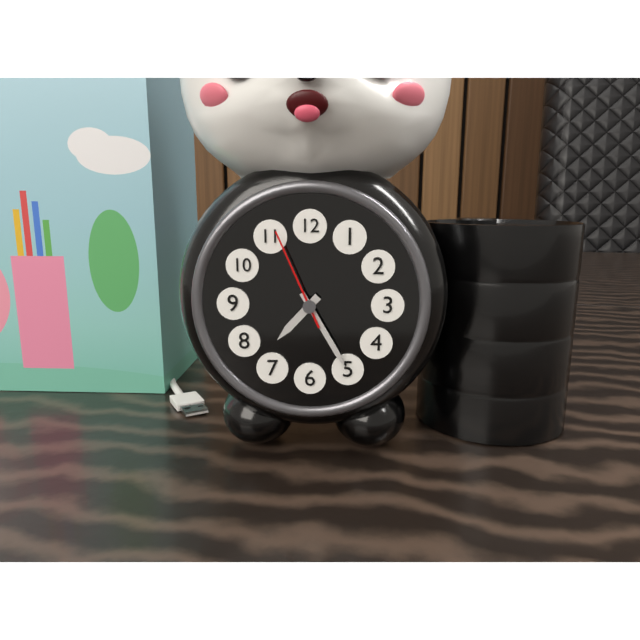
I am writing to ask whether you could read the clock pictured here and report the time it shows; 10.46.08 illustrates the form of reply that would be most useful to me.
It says 7.25.56
